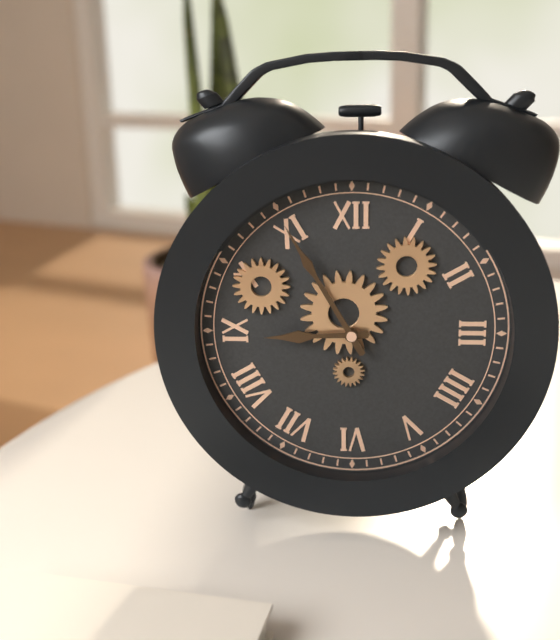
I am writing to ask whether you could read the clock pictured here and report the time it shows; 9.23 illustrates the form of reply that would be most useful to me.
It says 8.55
